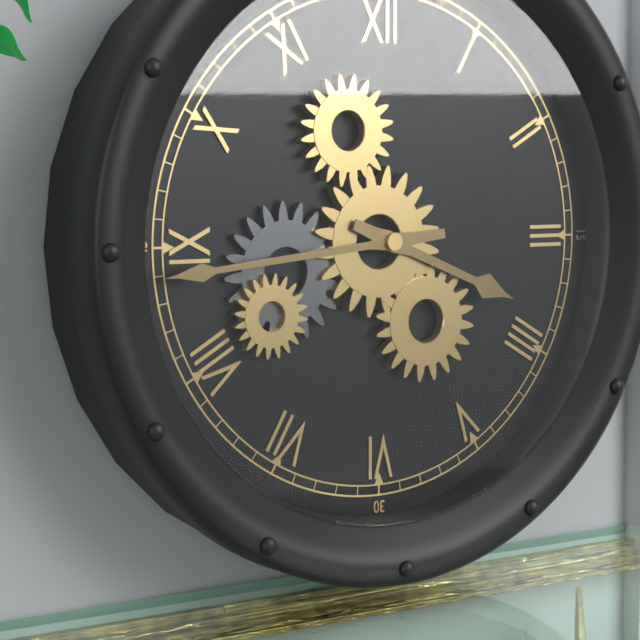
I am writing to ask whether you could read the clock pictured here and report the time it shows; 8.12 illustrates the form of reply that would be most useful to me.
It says 3.44
